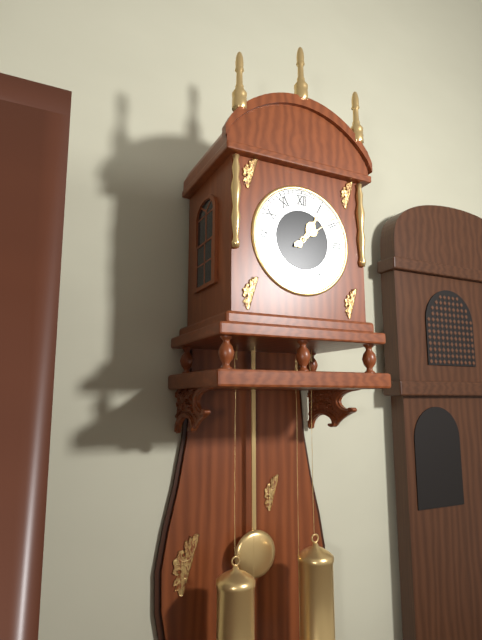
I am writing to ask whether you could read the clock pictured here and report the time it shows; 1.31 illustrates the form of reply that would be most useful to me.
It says 1.09
